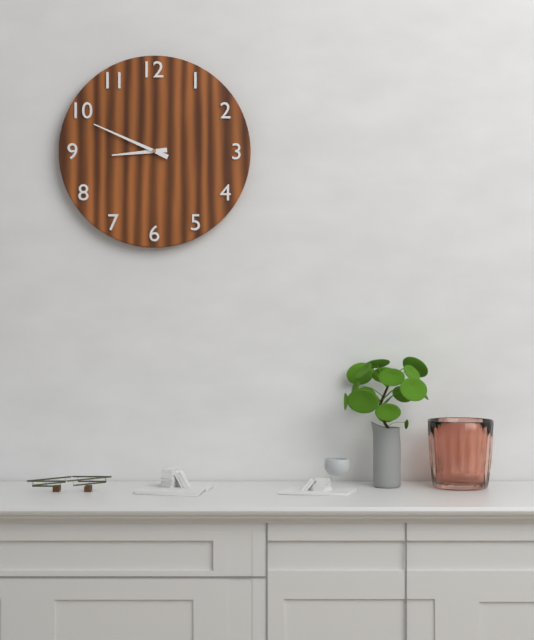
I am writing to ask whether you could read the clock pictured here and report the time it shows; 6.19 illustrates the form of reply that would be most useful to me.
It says 8.49
